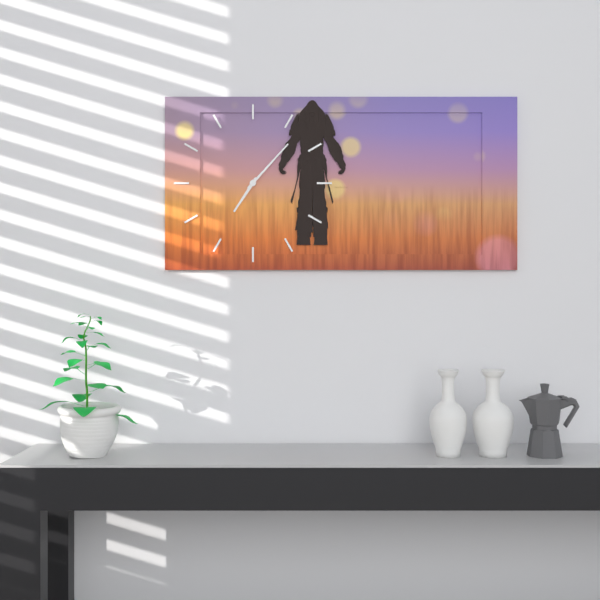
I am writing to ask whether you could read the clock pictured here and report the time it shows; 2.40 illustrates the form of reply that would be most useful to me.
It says 7.07
